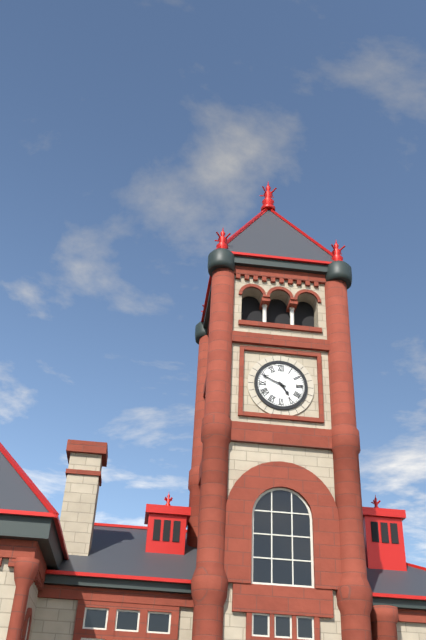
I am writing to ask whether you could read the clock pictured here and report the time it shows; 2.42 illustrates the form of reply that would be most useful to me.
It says 4.49
